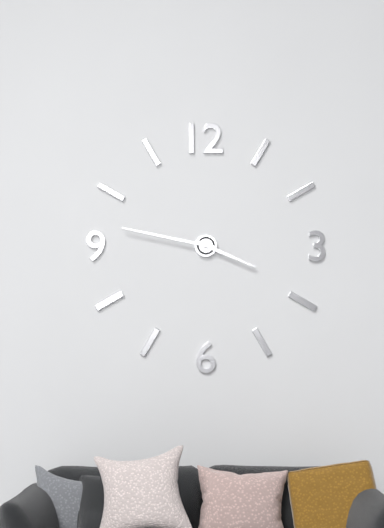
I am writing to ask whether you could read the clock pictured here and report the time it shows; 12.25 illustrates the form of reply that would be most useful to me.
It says 3.47
